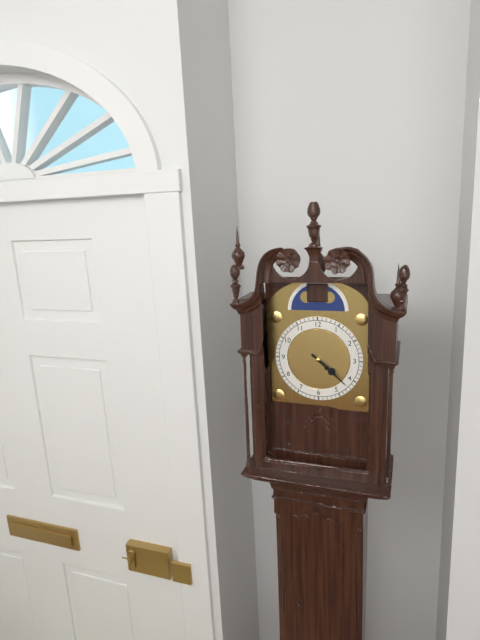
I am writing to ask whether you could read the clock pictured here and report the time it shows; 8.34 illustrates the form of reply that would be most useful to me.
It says 4.22
